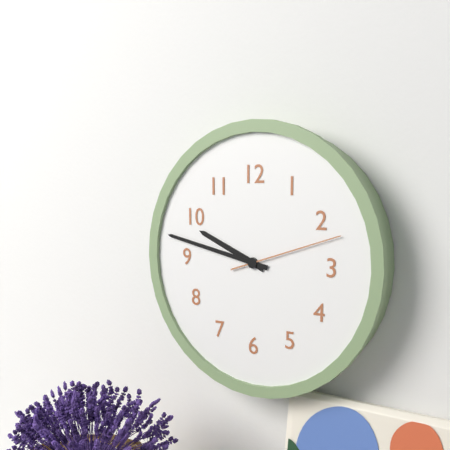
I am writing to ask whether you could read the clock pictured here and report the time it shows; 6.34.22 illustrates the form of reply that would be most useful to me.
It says 9.47.12
